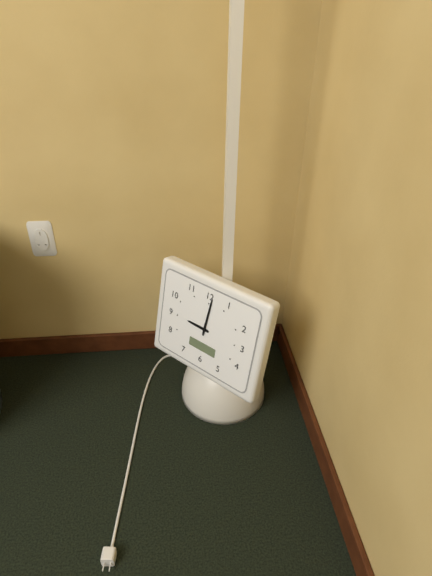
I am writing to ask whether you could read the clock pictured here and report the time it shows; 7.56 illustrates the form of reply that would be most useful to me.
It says 9.01
